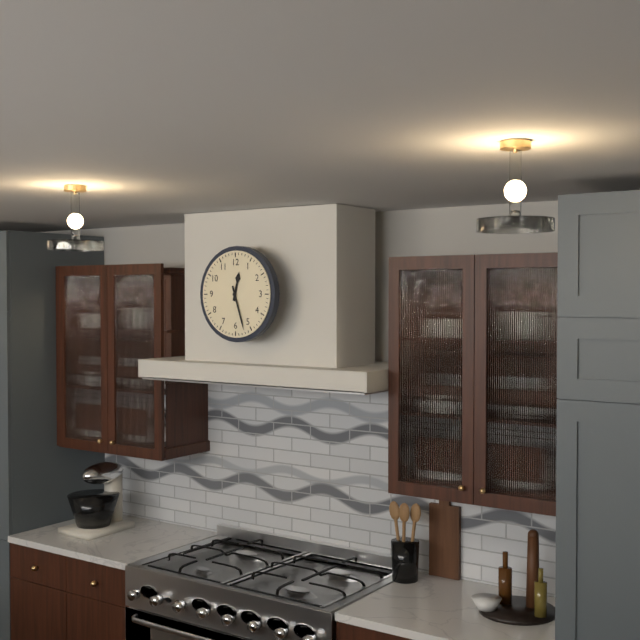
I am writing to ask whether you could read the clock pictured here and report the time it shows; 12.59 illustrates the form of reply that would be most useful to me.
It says 12.27
